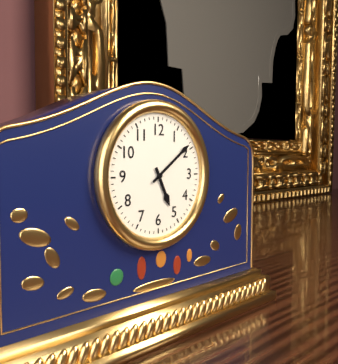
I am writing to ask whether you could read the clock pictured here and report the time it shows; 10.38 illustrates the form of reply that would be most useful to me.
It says 5.09
